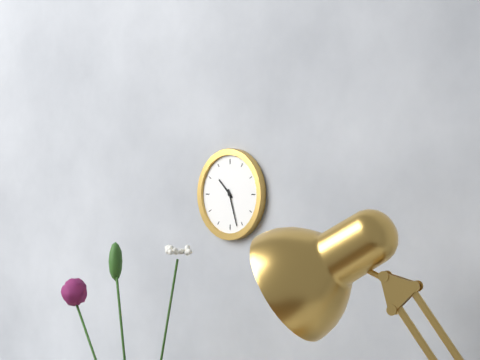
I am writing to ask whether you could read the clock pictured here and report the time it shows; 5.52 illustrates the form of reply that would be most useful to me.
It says 10.27
